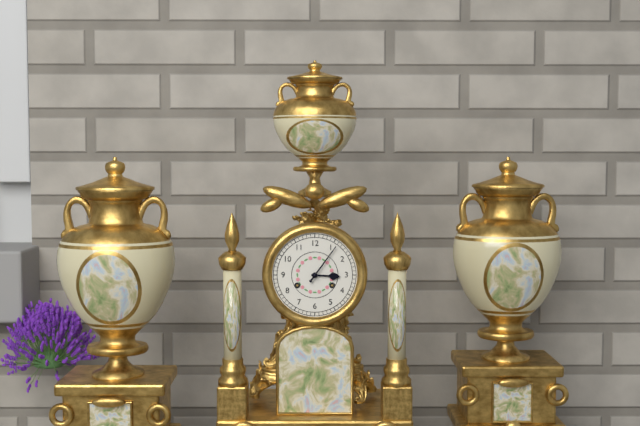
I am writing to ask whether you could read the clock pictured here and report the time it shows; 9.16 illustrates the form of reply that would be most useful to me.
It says 3.06
